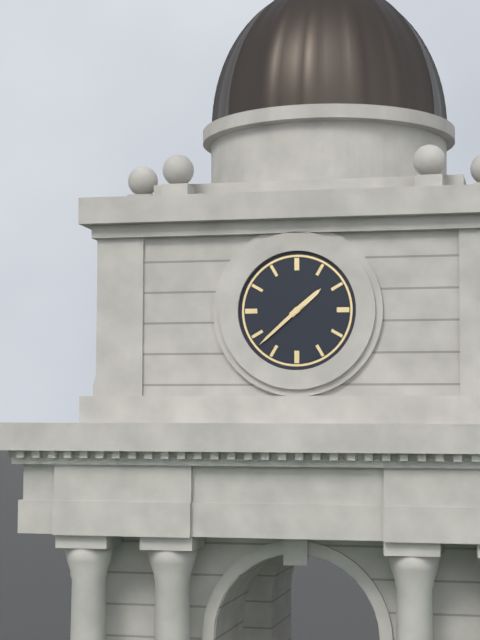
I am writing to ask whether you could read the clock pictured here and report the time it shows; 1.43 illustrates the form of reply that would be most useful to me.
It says 1.38
